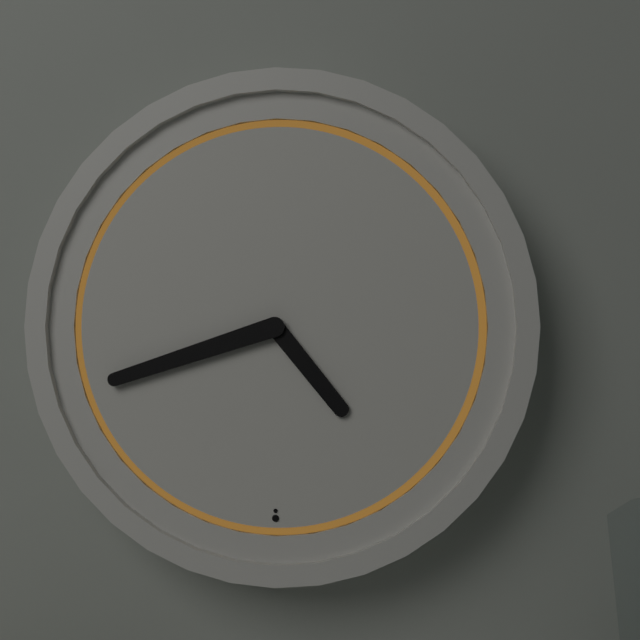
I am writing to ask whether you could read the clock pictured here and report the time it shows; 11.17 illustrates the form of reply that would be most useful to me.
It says 4.42
